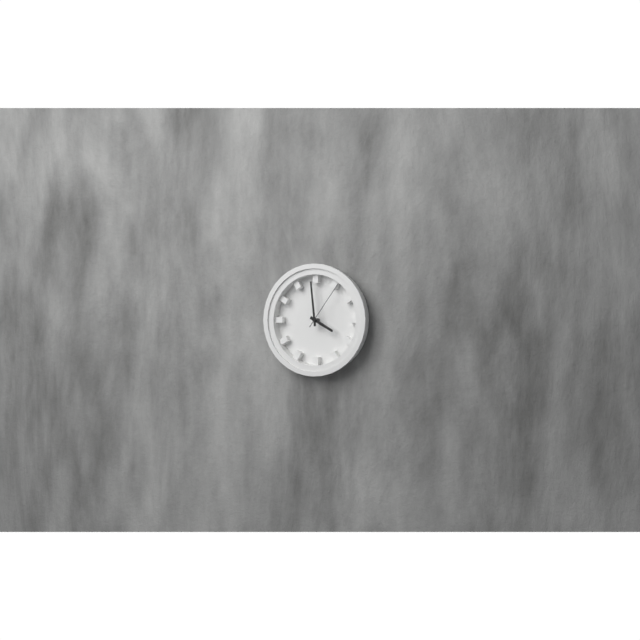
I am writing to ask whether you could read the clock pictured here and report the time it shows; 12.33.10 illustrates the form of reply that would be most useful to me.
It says 3.59.06
